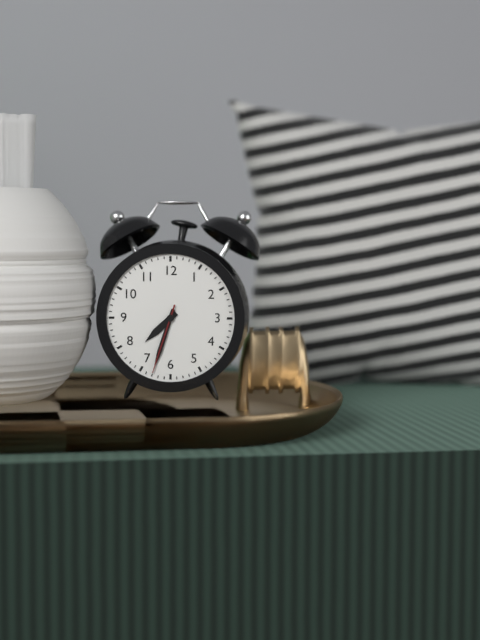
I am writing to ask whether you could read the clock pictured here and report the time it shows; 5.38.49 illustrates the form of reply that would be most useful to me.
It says 7.33.33
